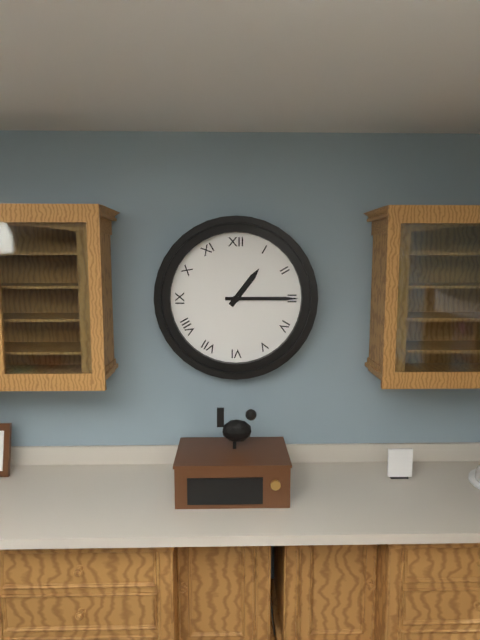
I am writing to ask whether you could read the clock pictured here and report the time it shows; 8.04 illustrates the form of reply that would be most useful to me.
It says 1.15
